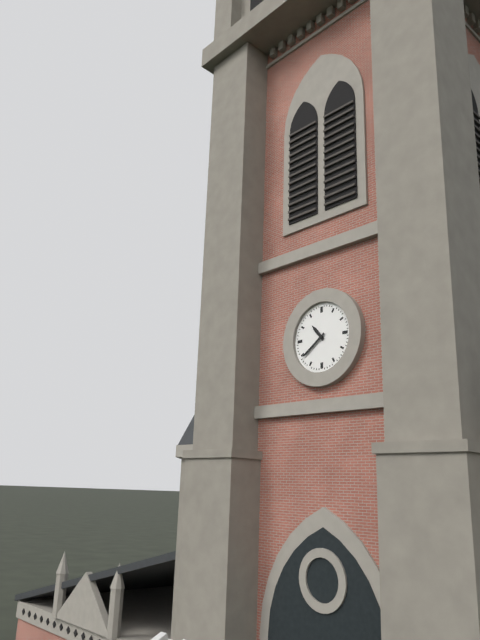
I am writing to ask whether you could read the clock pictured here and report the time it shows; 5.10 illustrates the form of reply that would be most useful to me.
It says 10.39
